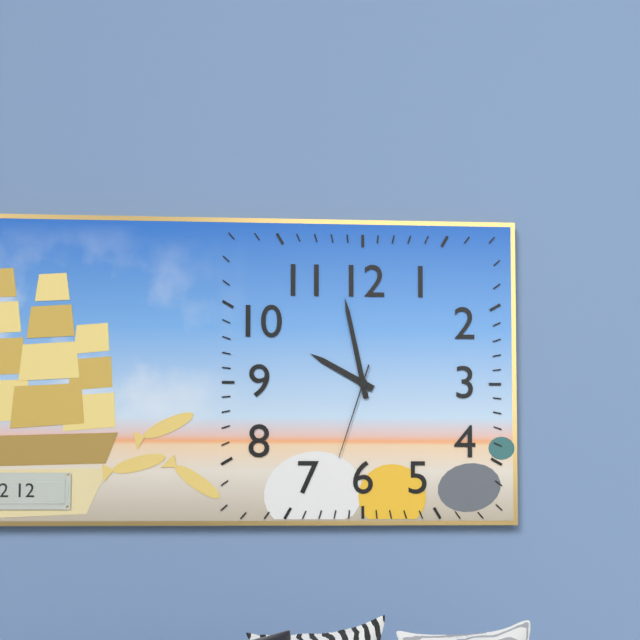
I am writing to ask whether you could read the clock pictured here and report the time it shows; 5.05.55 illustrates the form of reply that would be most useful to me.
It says 9.58.33
